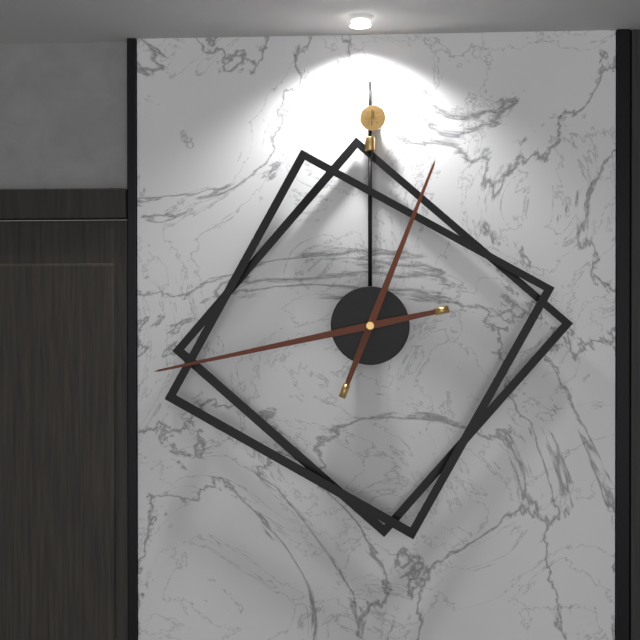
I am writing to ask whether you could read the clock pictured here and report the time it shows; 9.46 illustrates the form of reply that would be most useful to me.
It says 12.43
